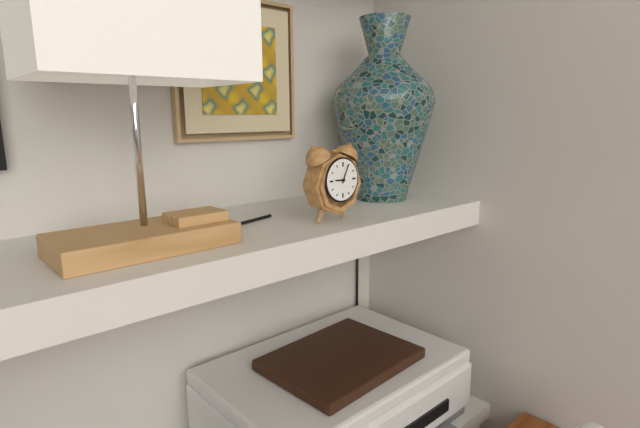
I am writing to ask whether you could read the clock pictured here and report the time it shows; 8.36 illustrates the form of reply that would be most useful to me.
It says 9.04
